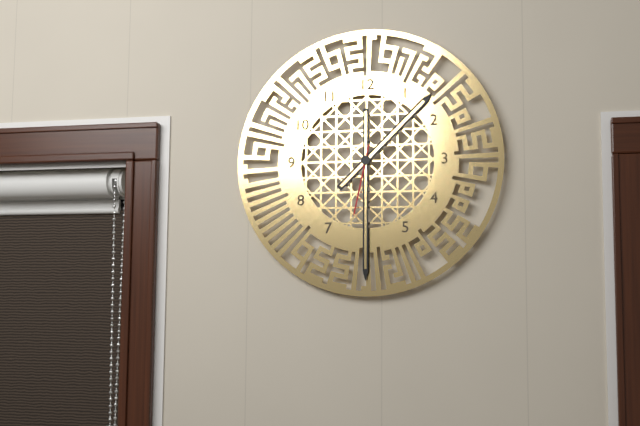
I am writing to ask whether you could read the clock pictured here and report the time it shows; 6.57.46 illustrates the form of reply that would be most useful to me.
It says 1.30.32
